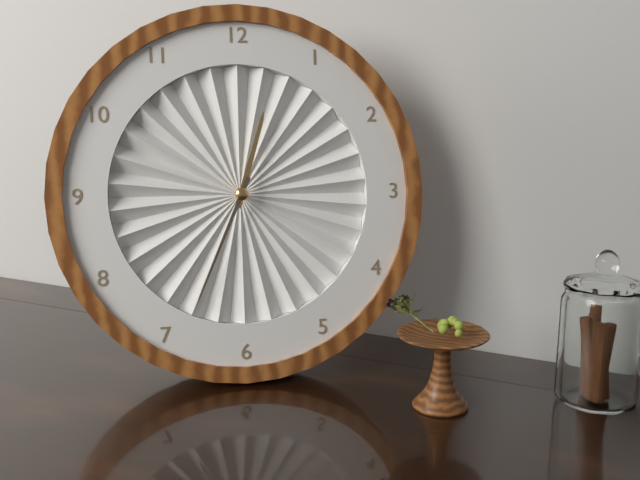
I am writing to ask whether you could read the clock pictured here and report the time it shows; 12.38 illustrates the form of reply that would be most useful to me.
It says 12.34
